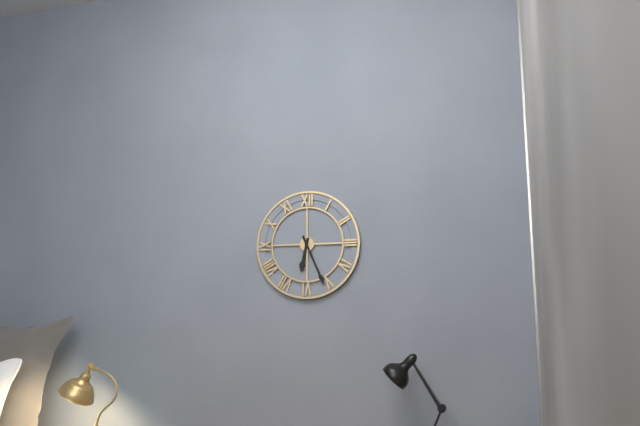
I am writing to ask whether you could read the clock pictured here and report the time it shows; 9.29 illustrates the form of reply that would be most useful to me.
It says 6.26
